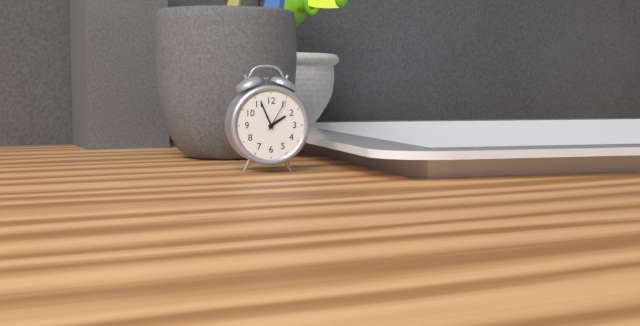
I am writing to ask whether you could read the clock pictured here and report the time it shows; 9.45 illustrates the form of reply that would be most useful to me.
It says 1.56
